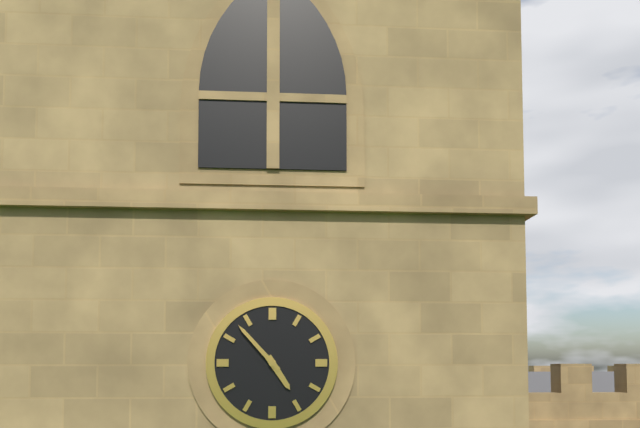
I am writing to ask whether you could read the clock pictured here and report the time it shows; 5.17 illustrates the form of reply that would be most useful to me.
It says 4.53
